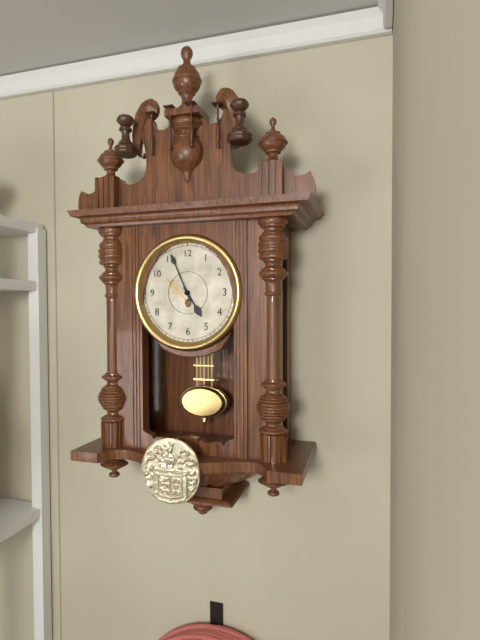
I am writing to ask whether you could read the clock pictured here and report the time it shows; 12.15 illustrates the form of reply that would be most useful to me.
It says 4.56
